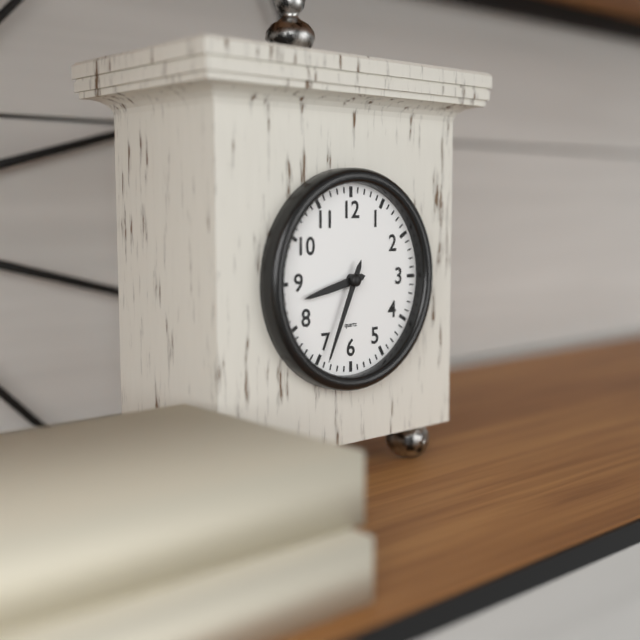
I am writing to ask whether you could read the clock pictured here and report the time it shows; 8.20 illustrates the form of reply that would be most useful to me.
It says 8.34
